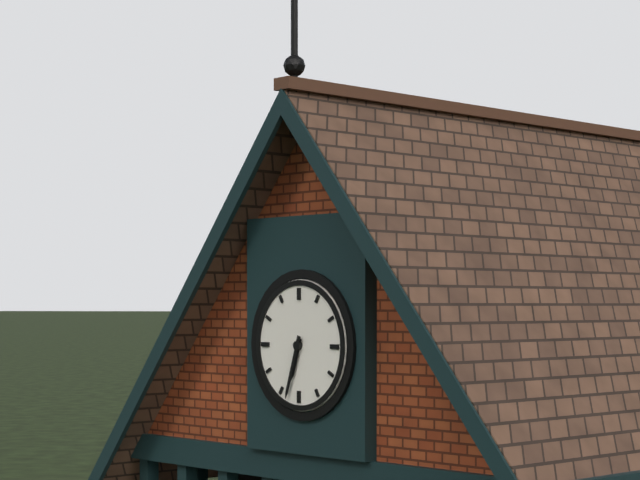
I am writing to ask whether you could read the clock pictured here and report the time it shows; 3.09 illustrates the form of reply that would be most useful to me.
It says 6.33
